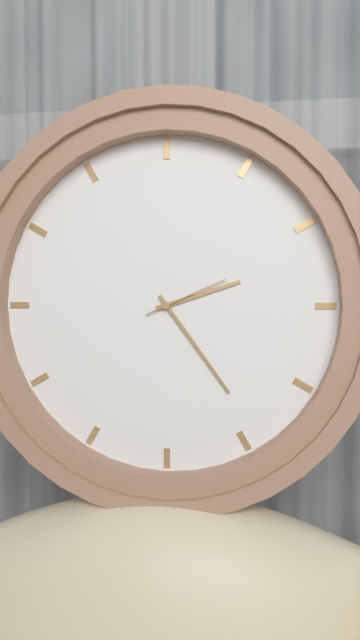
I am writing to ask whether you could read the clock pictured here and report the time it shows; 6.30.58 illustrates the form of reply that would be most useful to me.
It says 2.24.11
